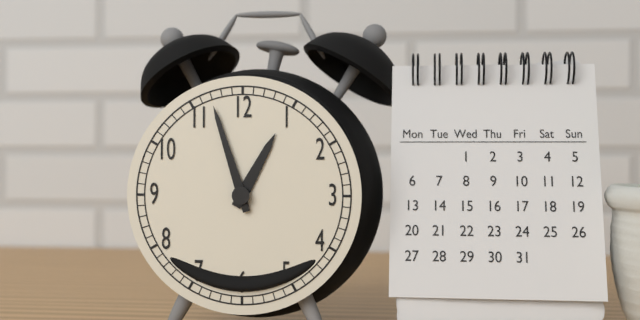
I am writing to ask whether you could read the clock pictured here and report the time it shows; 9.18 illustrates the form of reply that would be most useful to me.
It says 12.57
